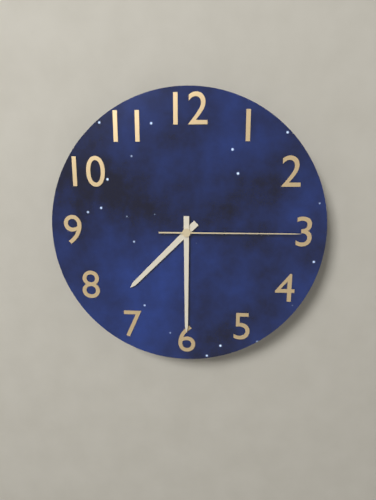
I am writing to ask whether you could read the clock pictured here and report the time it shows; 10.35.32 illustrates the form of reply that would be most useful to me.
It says 7.30.15
